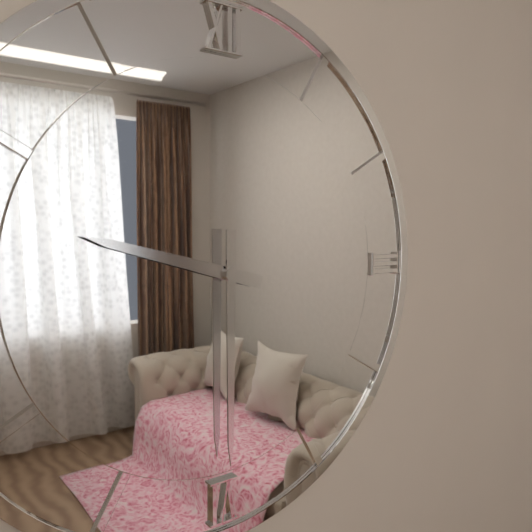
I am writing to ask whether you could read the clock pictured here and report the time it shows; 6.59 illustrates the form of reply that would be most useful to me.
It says 9.30
